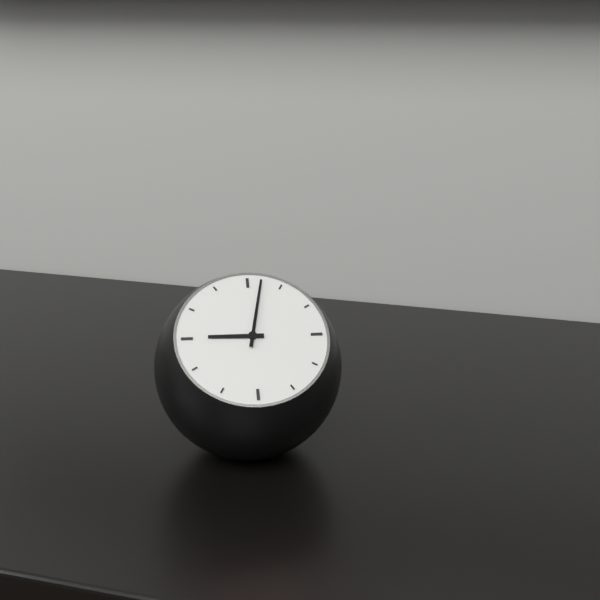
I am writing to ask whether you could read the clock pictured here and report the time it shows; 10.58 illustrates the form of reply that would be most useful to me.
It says 9.02
